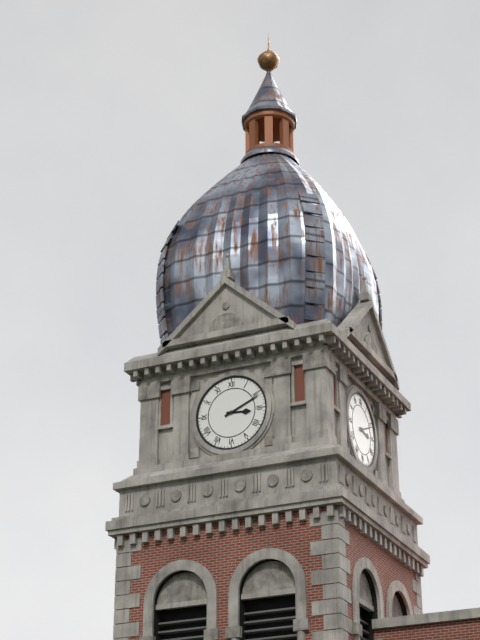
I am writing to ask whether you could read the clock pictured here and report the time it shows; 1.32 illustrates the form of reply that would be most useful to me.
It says 3.11
